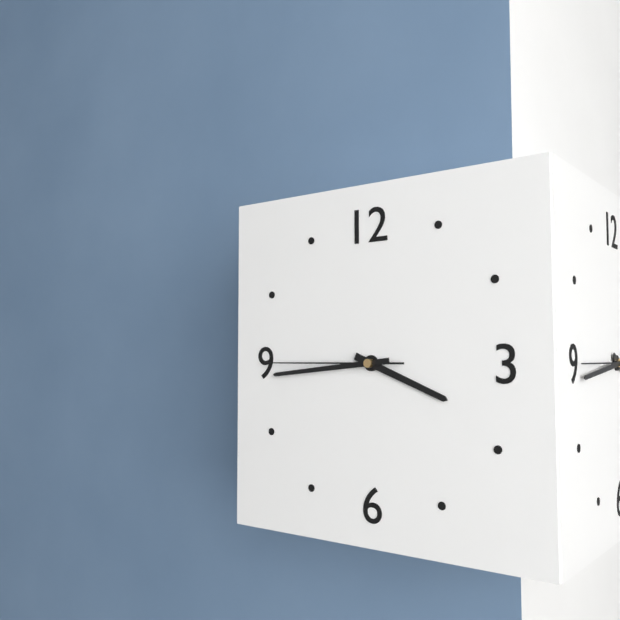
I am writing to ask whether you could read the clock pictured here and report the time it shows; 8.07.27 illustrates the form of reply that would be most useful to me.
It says 3.44.45
